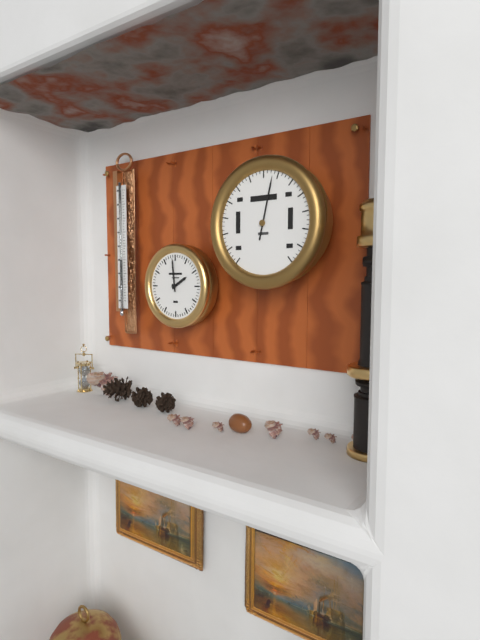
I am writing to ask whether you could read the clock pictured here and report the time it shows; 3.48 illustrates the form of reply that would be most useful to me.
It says 1.59
